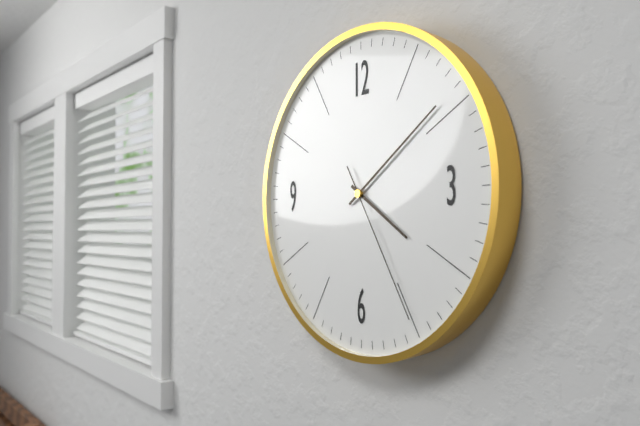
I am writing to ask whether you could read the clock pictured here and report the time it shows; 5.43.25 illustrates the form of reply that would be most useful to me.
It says 4.09.25
